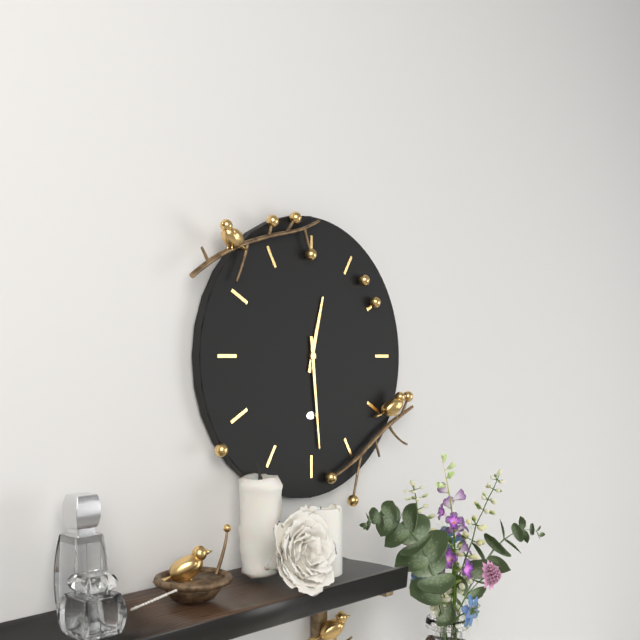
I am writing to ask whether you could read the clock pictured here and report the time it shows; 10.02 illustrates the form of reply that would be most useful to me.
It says 12.29
